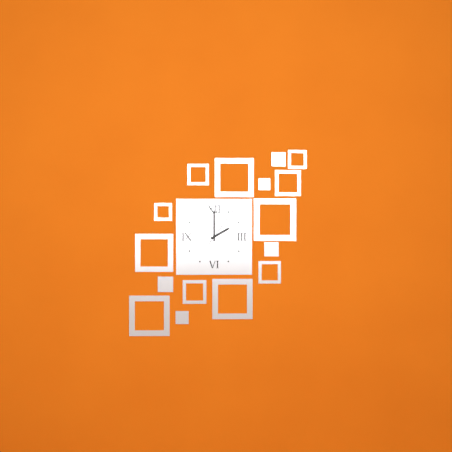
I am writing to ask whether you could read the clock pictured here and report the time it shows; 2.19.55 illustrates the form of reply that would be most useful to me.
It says 2.00.06
